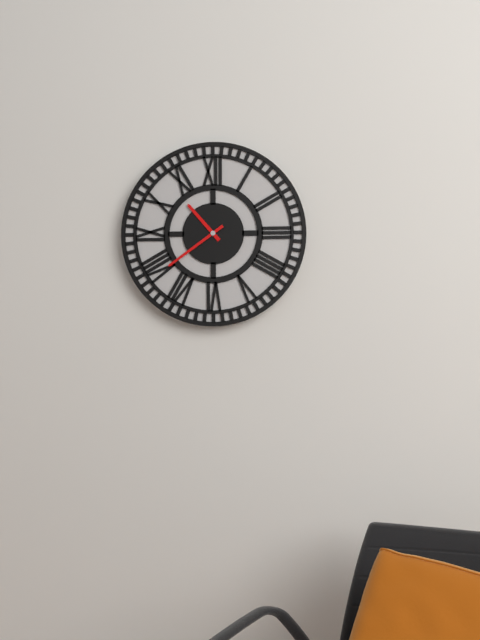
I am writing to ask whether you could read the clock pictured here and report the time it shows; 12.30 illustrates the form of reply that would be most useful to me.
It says 10.39
